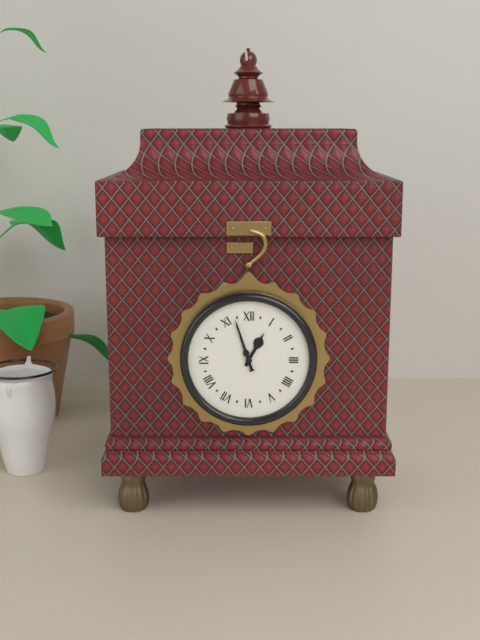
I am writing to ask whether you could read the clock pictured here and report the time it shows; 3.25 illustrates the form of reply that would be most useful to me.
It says 12.57
